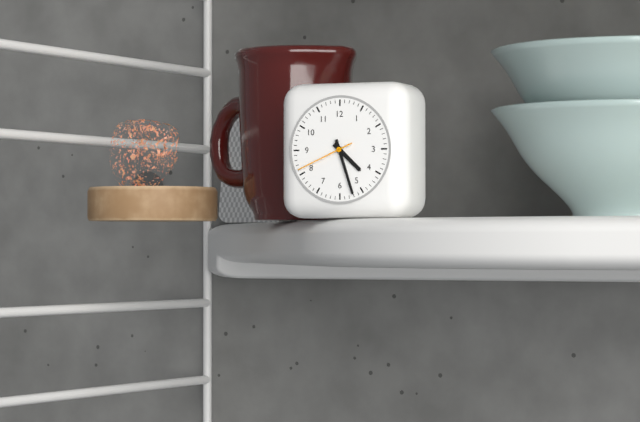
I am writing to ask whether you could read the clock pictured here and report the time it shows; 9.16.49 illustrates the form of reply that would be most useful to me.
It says 4.27.41
